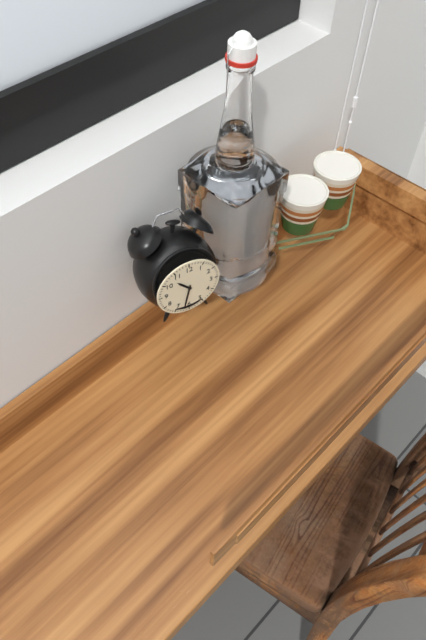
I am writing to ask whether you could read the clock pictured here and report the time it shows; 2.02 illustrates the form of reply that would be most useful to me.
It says 10.32
